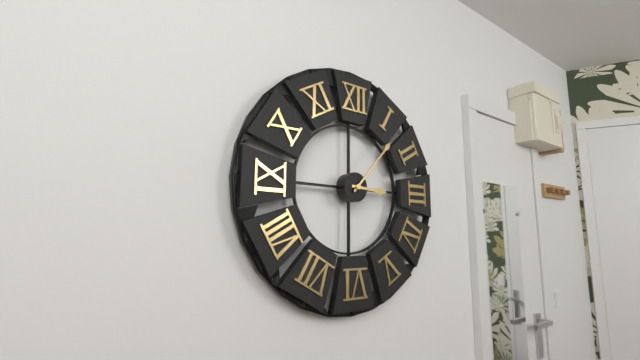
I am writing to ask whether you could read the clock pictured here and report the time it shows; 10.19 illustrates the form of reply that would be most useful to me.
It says 3.07
